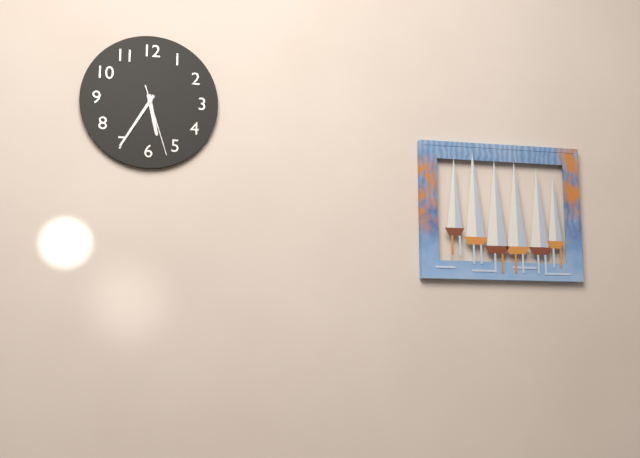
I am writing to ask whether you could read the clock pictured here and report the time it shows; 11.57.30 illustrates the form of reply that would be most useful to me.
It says 5.35.27
